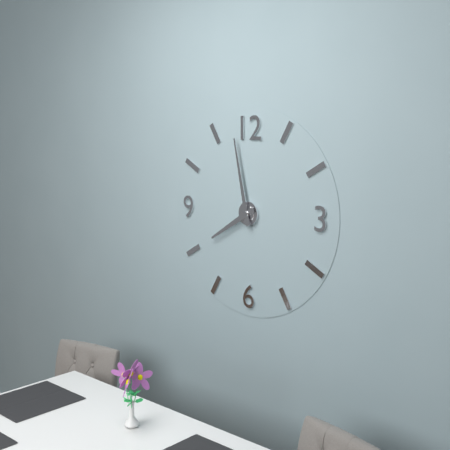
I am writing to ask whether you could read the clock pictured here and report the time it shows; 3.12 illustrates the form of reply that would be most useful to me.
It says 7.58
